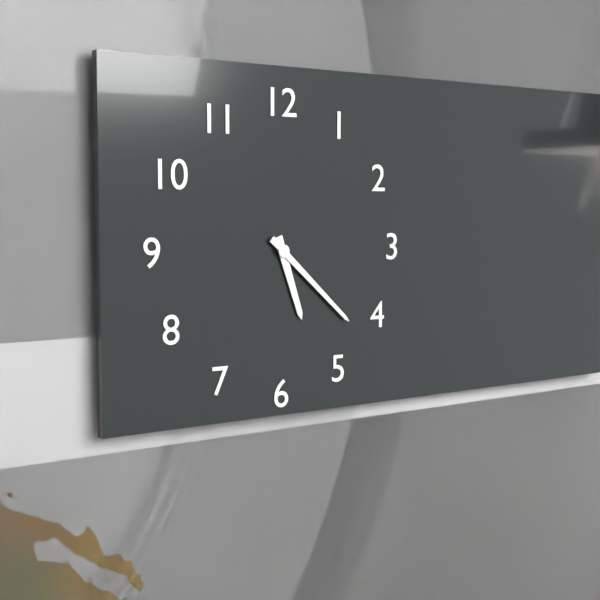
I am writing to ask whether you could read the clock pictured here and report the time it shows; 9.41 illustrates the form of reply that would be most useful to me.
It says 5.22
